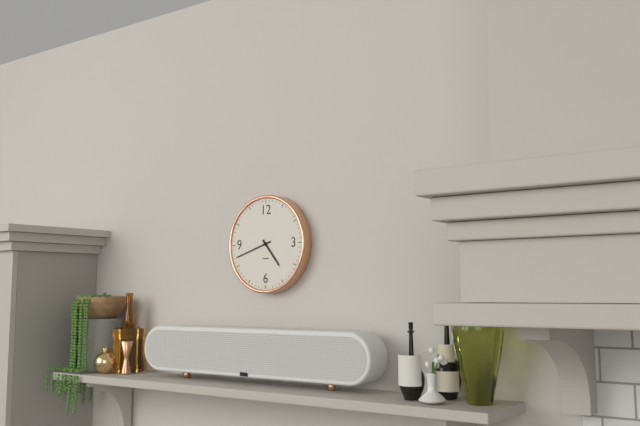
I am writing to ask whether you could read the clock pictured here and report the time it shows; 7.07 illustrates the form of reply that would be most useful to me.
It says 4.42
